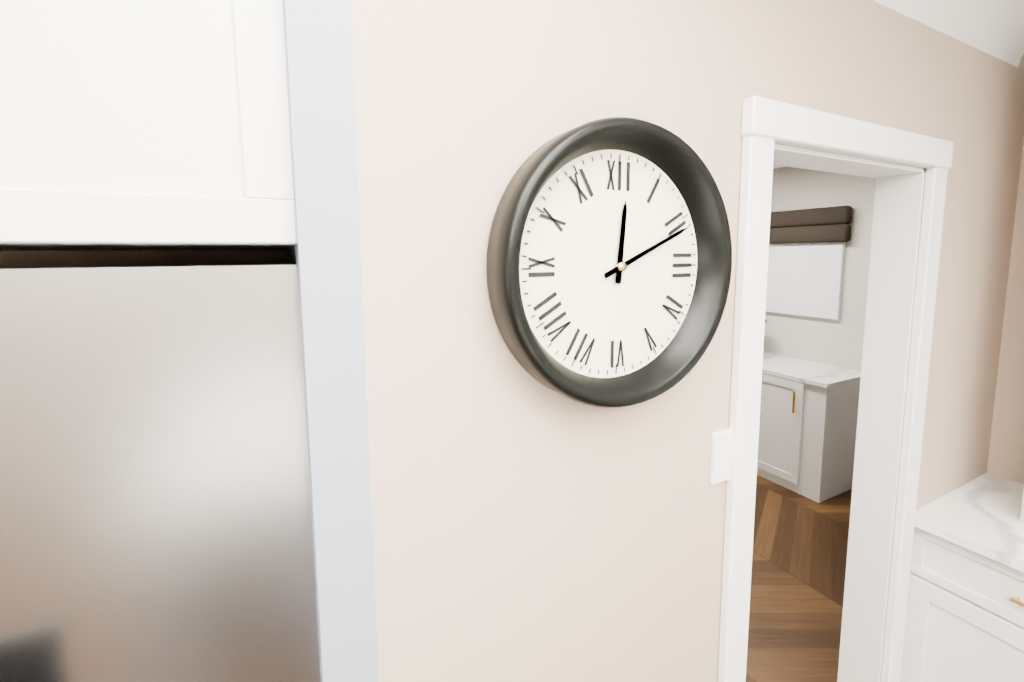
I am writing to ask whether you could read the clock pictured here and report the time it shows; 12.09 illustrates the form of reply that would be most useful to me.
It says 12.11
